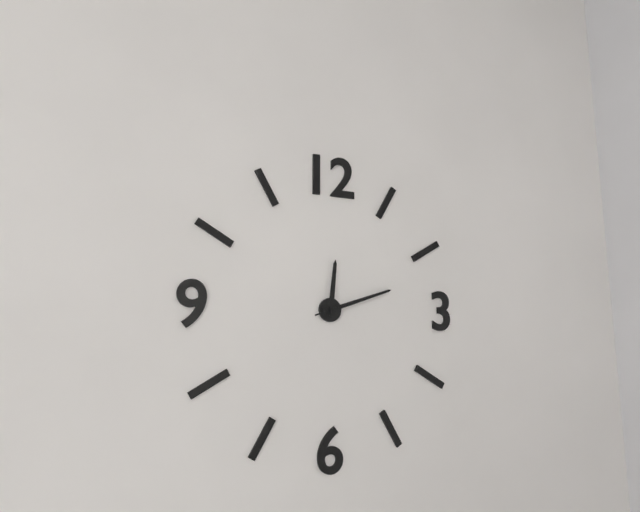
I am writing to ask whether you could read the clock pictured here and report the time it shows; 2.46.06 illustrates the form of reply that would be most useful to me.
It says 12.12.12
